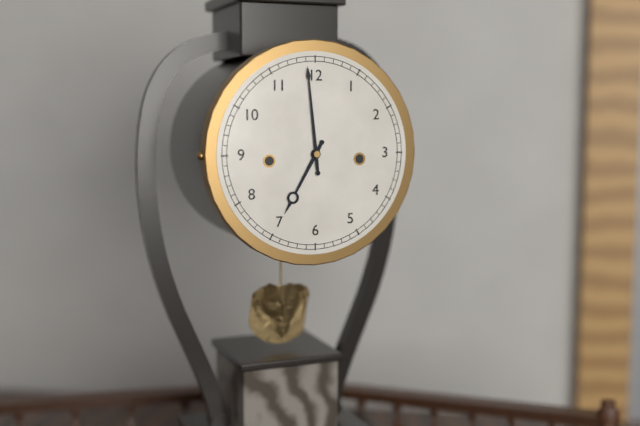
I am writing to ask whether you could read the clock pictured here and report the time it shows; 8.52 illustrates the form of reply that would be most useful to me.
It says 6.59
